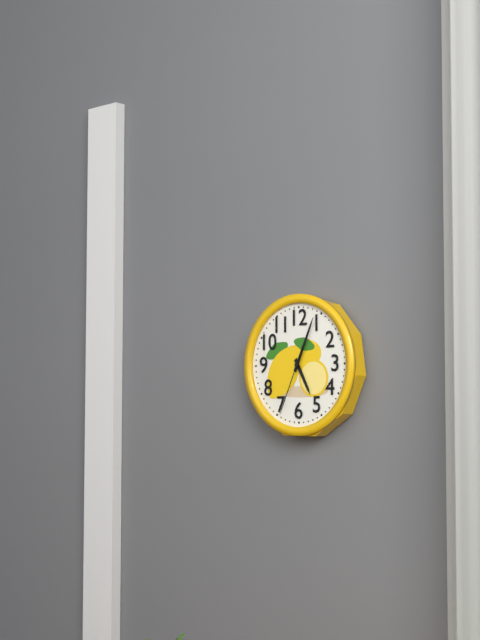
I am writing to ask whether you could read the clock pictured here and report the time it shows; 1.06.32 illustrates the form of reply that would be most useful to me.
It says 5.04.34
